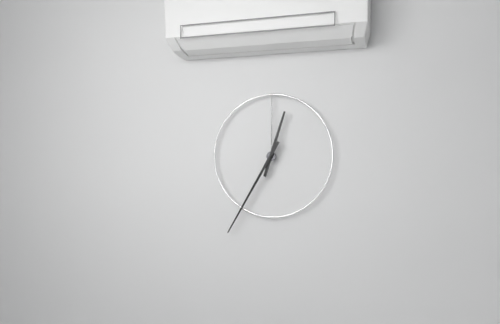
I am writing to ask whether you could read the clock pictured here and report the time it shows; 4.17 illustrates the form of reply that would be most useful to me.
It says 12.35
